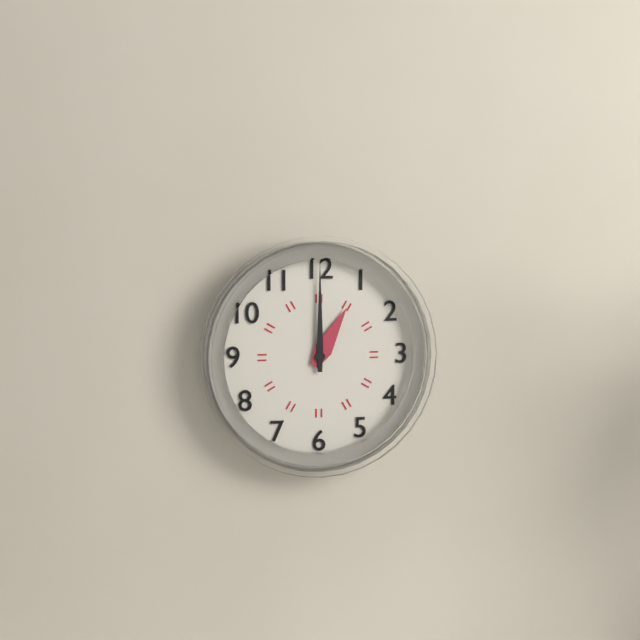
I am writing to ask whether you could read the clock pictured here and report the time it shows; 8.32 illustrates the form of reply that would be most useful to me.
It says 1.00
